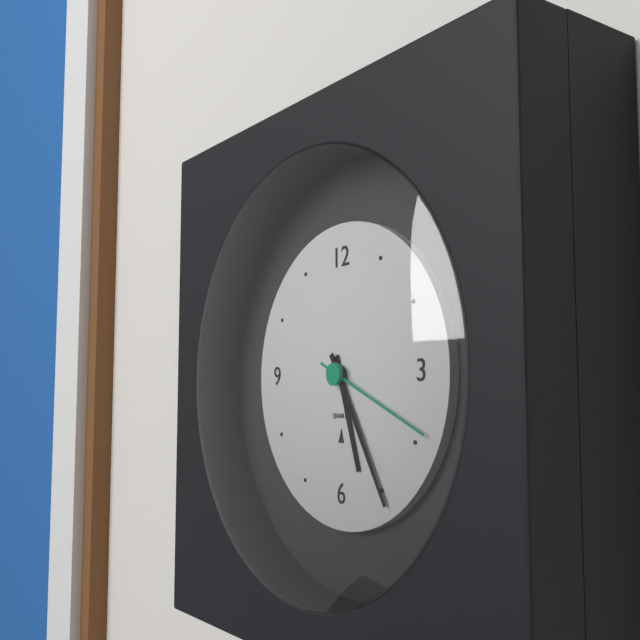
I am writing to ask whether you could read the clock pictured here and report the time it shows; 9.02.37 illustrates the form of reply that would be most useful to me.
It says 5.25.19
